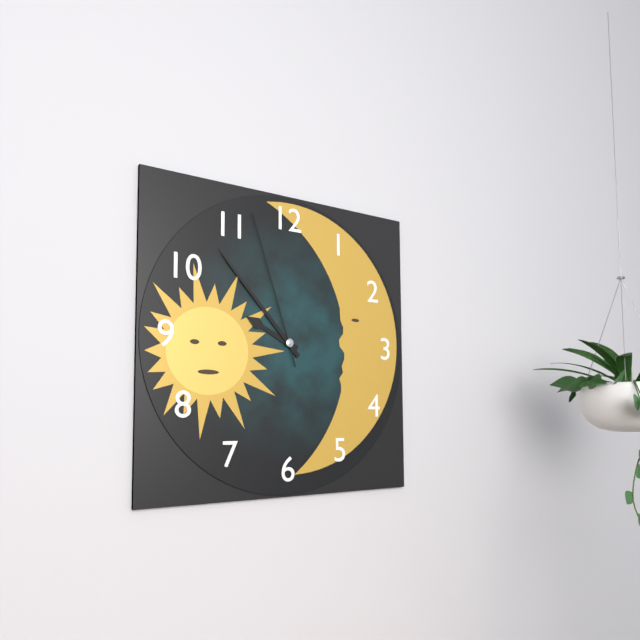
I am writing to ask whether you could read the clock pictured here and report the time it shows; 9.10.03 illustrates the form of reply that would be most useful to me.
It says 9.53.57
